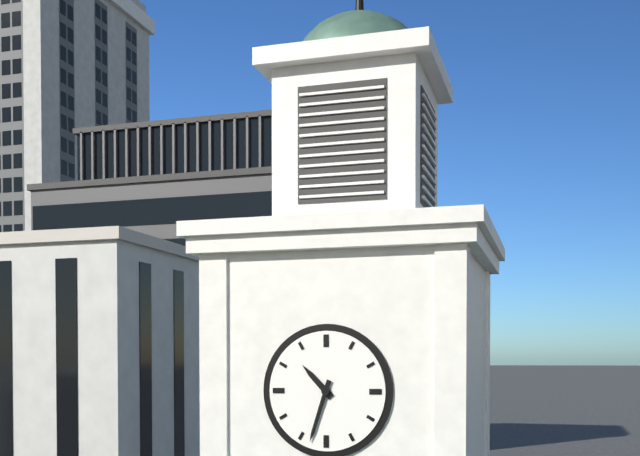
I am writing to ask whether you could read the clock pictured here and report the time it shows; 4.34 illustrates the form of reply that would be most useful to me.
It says 10.33
